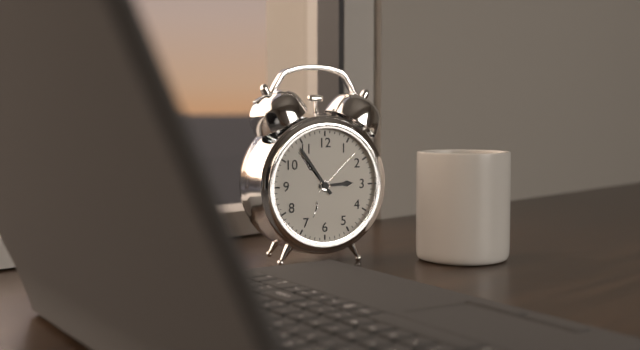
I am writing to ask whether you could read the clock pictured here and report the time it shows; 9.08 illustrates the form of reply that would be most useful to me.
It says 2.54
